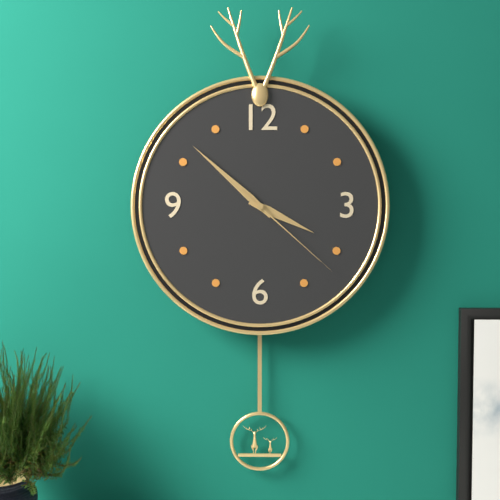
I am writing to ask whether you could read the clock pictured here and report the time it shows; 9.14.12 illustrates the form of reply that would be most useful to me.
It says 3.52.22
